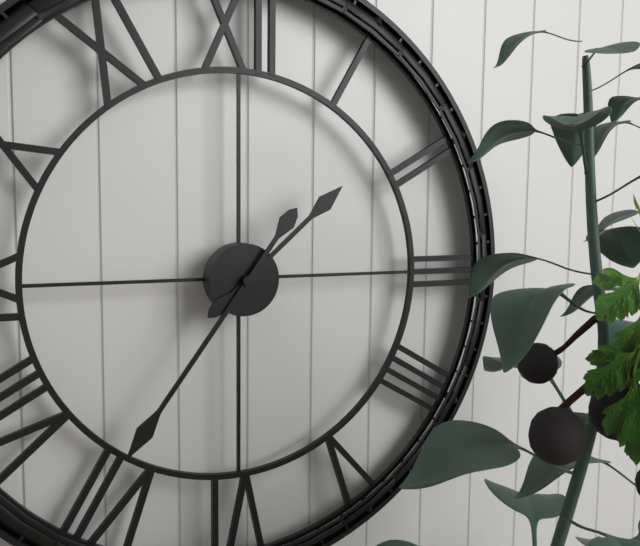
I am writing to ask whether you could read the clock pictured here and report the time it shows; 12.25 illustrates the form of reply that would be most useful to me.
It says 1.36
